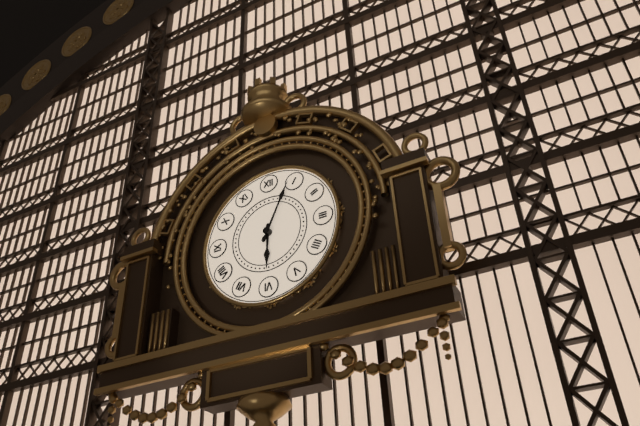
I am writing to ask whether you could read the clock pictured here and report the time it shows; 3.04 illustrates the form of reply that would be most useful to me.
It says 6.04
